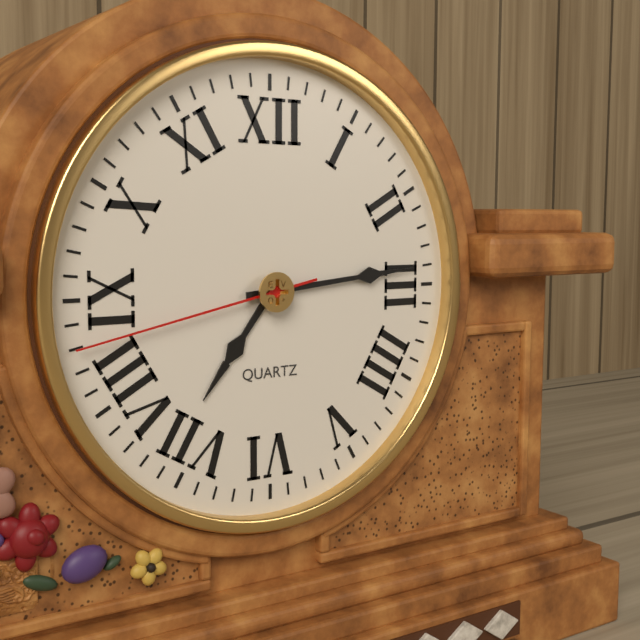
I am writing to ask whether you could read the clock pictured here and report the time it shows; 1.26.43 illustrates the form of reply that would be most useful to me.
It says 7.14.43
